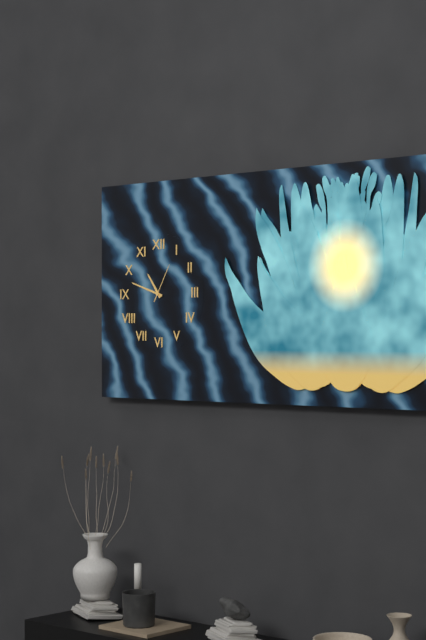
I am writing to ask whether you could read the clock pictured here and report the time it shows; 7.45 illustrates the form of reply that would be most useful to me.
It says 10.48
